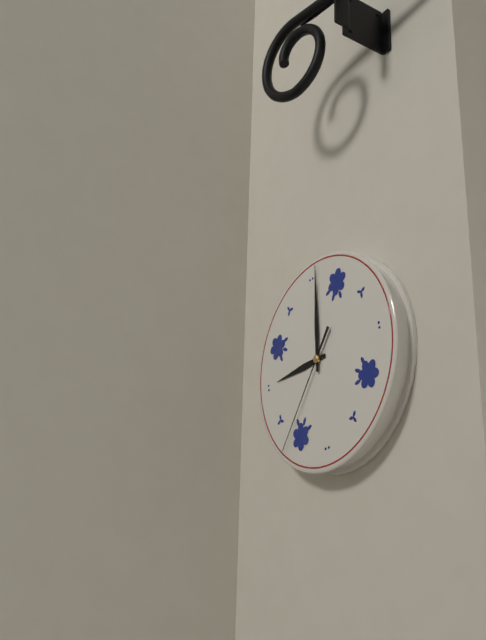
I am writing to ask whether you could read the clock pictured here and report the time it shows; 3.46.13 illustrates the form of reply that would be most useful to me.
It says 9.01.37
